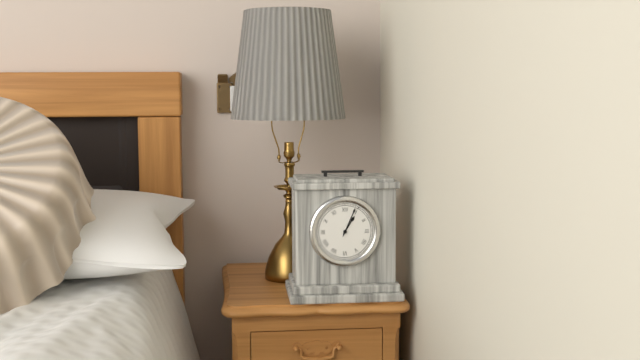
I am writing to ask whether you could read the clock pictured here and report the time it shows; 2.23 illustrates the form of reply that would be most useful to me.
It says 1.04
